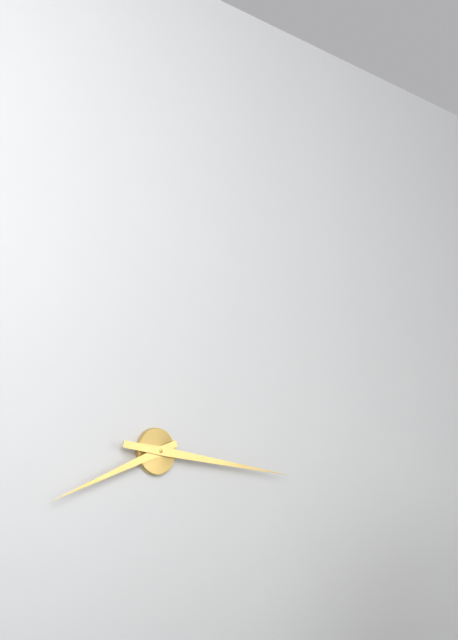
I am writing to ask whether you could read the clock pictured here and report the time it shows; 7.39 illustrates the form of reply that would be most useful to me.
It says 8.16
